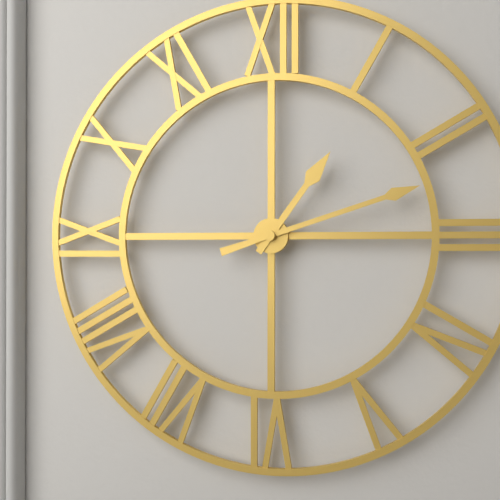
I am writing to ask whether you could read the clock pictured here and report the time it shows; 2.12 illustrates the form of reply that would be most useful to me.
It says 1.12
